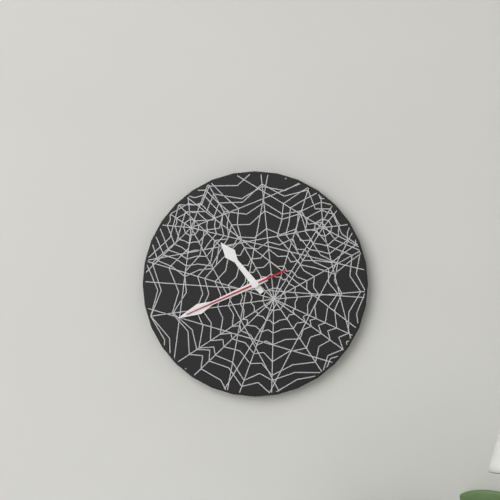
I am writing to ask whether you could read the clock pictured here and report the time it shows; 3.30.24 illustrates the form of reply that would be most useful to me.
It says 10.41.41
